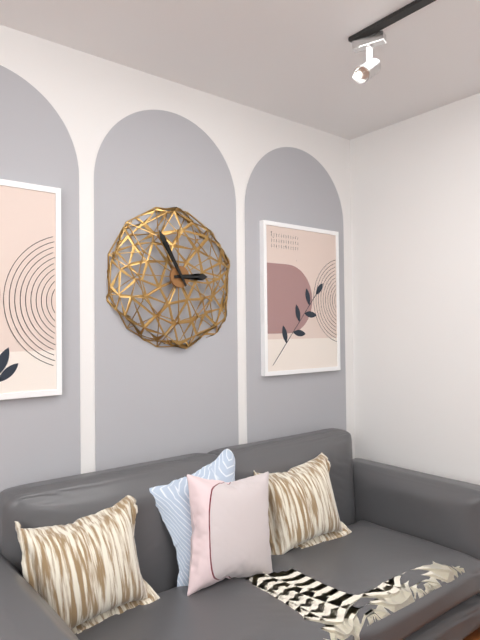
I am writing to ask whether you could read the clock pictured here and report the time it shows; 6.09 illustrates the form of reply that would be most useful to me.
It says 2.55
